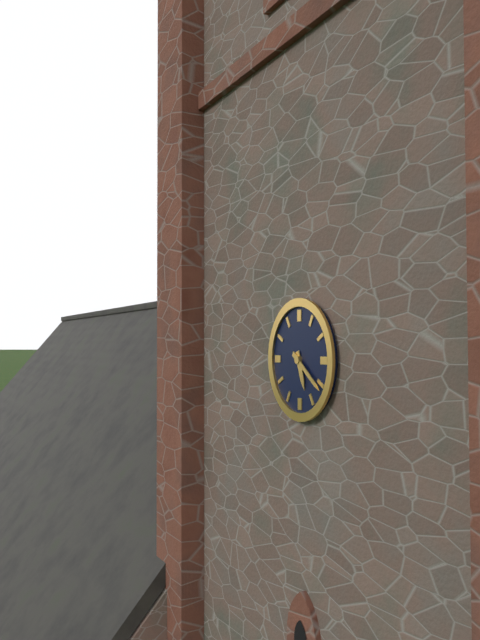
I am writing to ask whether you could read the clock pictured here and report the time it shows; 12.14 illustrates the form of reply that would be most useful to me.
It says 5.21
